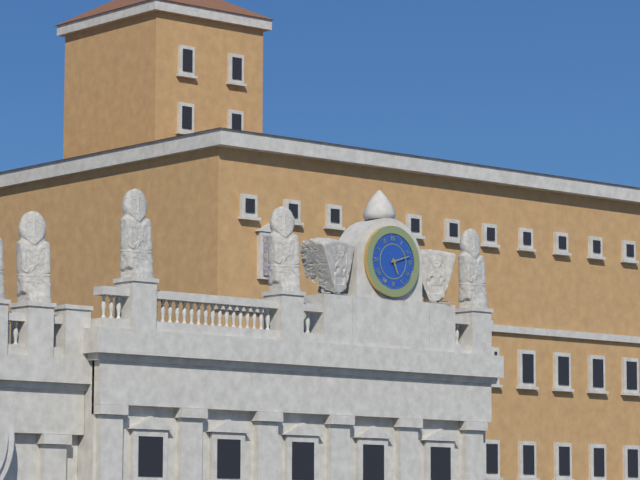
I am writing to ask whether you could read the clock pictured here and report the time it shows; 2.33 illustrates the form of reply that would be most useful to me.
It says 5.12
